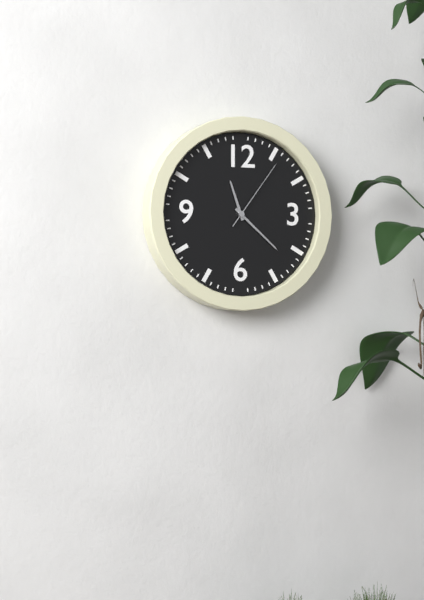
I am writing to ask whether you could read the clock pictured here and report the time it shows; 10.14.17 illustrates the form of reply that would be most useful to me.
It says 11.22.06
